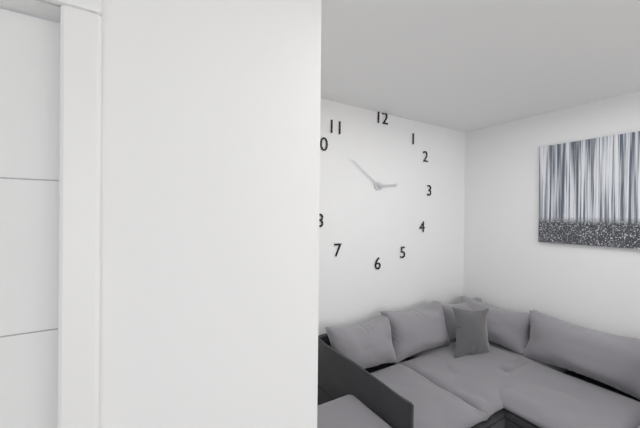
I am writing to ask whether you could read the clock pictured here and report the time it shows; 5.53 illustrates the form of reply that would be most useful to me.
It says 2.51
